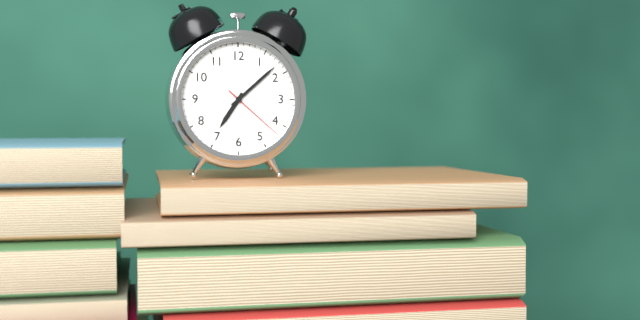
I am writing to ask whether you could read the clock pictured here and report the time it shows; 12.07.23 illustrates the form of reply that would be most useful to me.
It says 7.08.22
